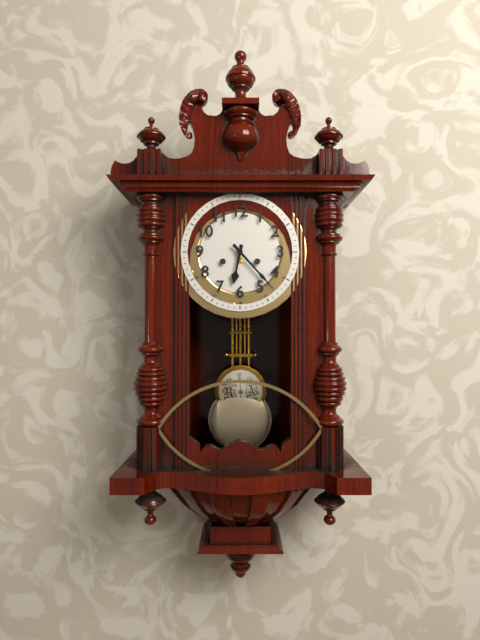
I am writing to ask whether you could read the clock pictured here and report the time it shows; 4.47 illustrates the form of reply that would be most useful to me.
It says 6.23
